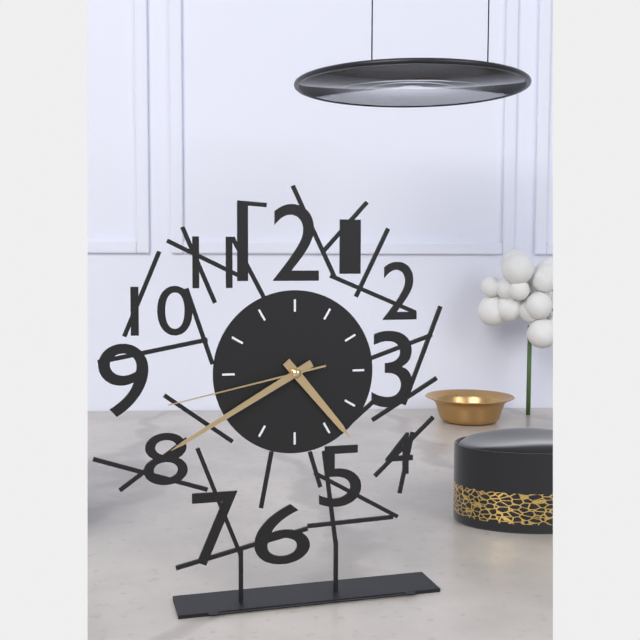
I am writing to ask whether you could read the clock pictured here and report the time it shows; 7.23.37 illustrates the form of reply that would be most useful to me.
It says 4.40.43
